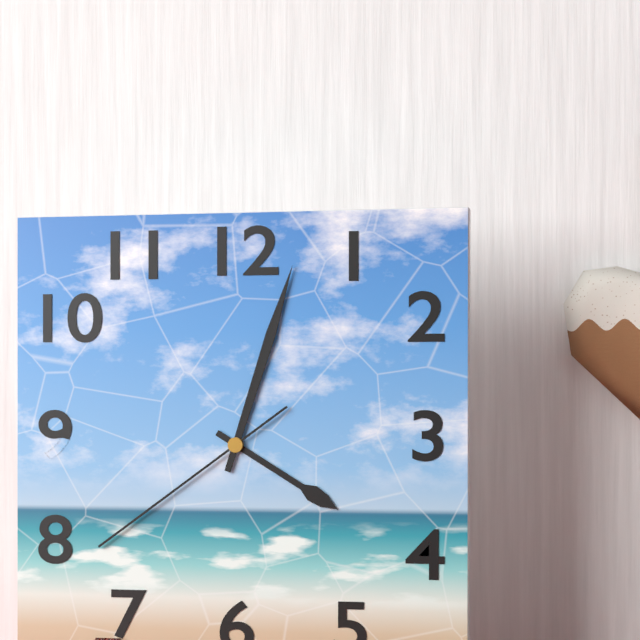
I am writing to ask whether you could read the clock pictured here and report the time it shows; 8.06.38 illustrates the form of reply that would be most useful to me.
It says 4.03.39
